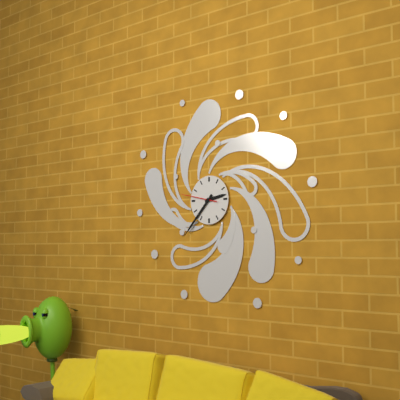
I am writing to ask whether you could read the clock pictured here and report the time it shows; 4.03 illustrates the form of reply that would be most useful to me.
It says 2.37
